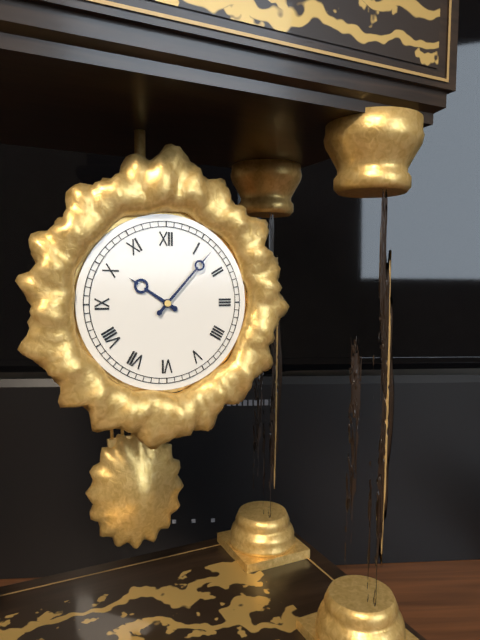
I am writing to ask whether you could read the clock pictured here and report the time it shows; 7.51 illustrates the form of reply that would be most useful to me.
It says 10.07
